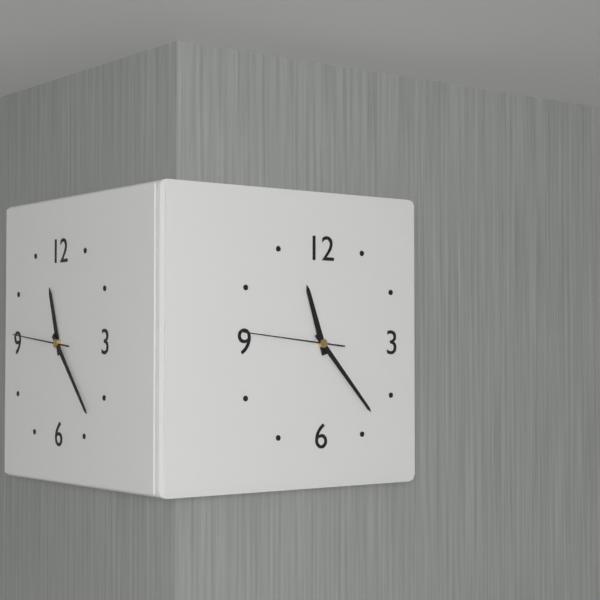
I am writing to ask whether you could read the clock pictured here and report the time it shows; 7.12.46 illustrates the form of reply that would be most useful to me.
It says 11.23.46
